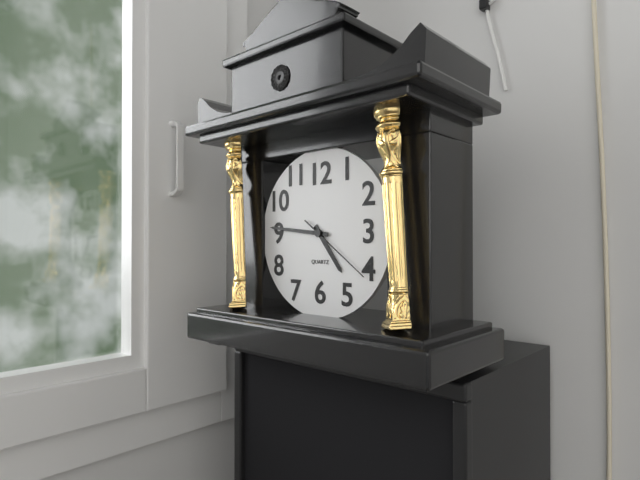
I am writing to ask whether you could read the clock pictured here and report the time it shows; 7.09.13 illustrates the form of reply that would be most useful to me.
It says 4.46.21
